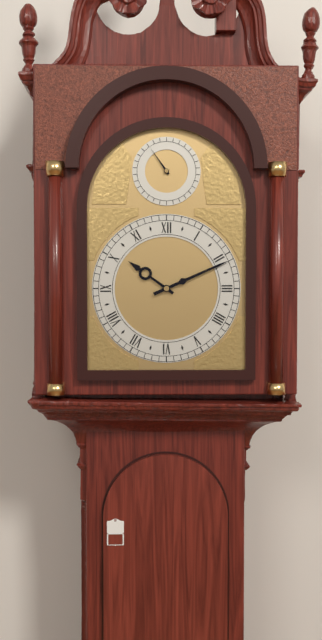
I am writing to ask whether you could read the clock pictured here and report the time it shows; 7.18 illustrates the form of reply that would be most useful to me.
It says 10.11
